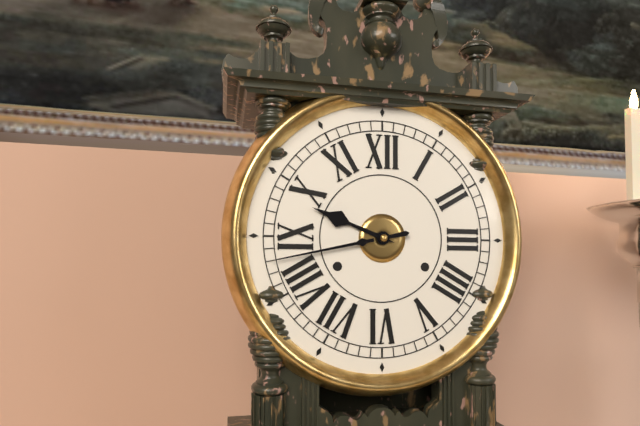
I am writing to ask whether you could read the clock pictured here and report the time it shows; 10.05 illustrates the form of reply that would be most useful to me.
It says 9.43
